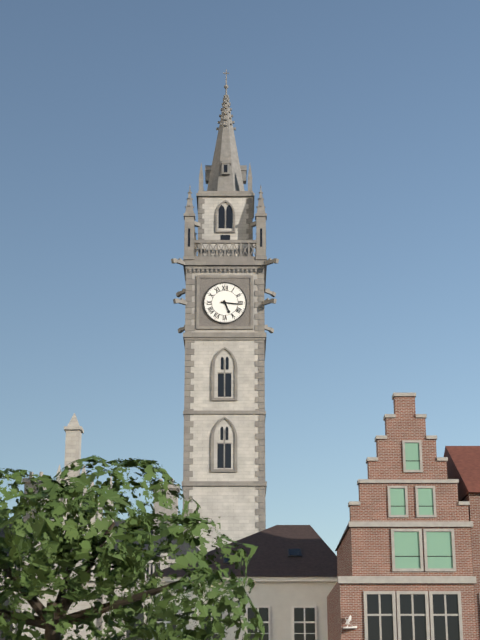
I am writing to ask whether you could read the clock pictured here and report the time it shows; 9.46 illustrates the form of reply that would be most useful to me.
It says 5.16
